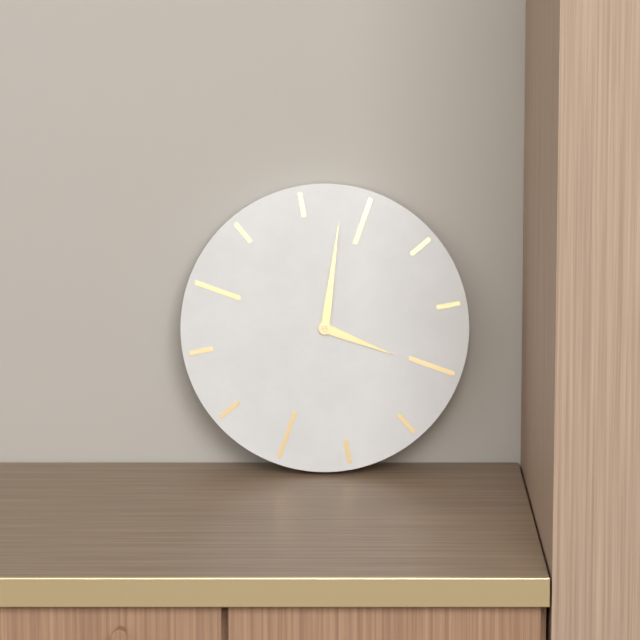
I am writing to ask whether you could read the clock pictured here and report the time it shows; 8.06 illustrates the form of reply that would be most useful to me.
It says 4.03
